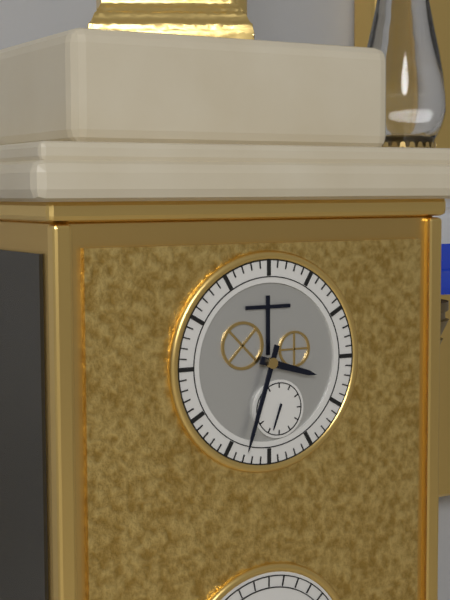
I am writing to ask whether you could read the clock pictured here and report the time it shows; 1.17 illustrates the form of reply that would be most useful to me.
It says 3.33
